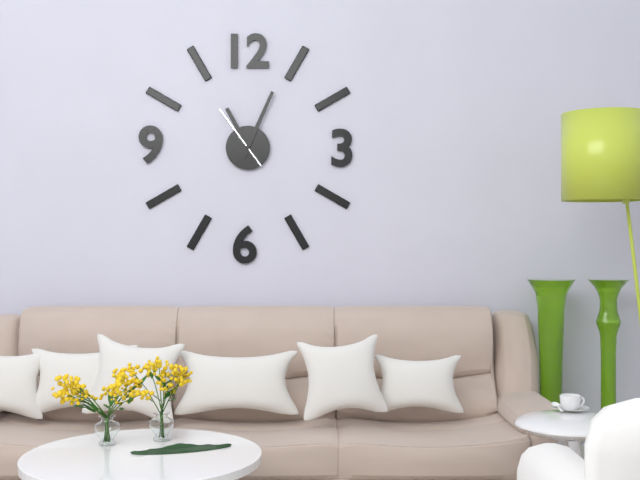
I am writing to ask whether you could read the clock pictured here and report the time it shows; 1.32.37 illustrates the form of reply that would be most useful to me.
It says 11.04.54
